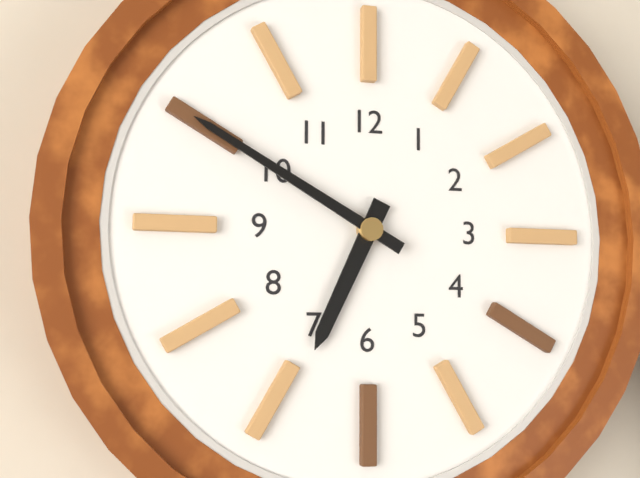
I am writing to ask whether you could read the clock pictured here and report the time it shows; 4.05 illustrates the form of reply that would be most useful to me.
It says 6.50
